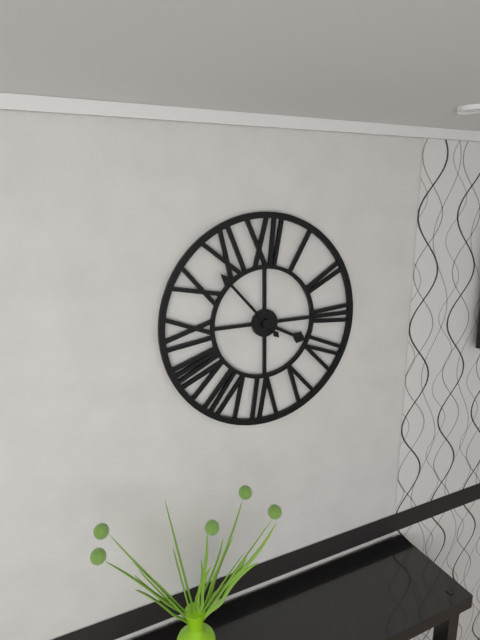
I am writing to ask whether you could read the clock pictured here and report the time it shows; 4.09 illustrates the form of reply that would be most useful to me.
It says 3.53
